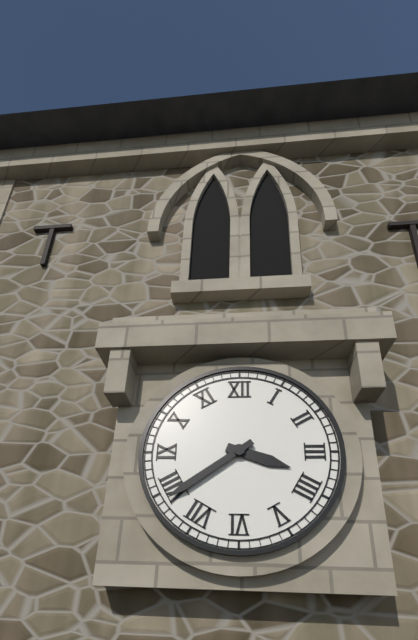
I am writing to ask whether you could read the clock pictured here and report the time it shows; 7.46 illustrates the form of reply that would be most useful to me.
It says 3.39
